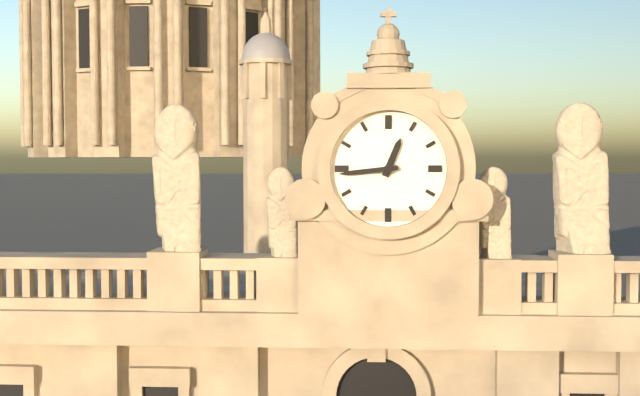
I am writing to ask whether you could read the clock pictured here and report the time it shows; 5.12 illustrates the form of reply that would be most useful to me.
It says 12.44
